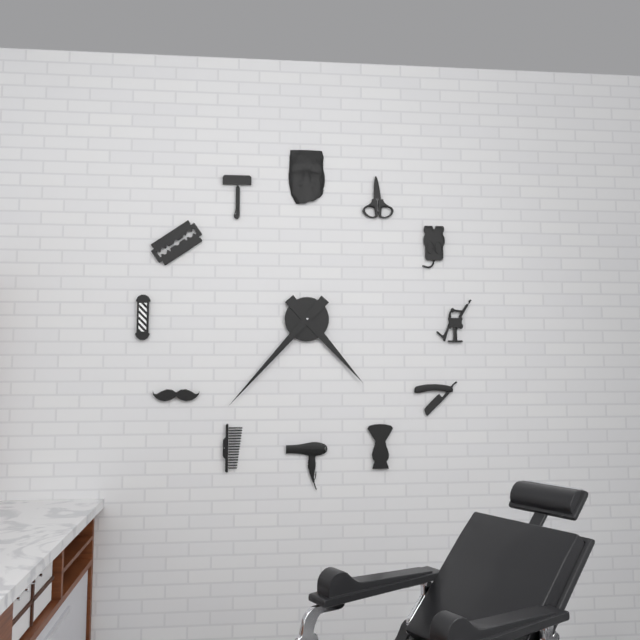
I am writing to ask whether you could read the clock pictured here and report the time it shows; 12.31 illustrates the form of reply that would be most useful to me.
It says 4.37
